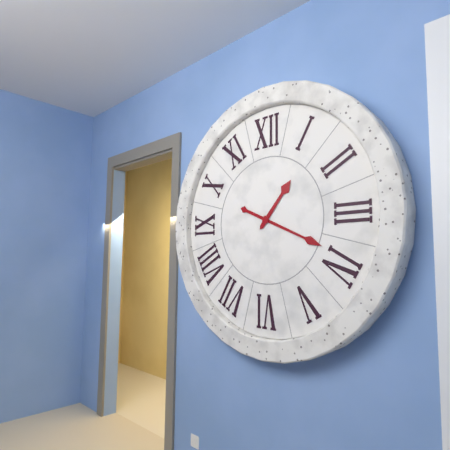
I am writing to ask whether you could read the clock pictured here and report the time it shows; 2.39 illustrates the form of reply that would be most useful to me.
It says 1.19
